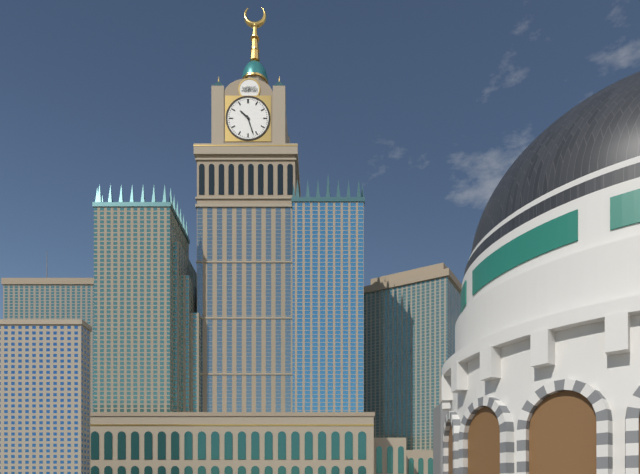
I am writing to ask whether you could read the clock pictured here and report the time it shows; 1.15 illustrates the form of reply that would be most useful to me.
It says 10.27
